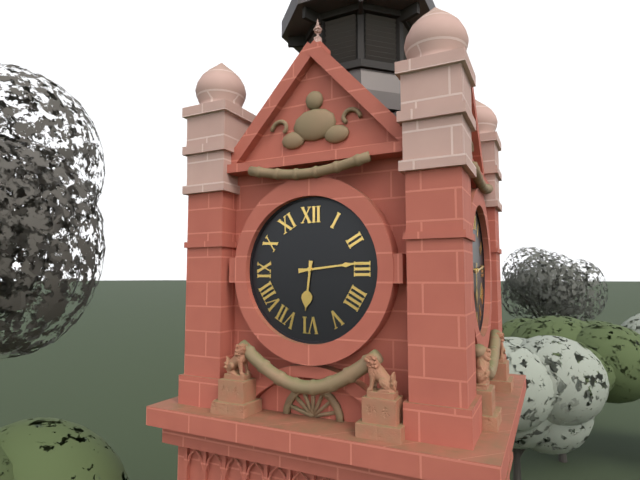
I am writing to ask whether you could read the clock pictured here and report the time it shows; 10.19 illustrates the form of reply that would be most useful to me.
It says 6.14
